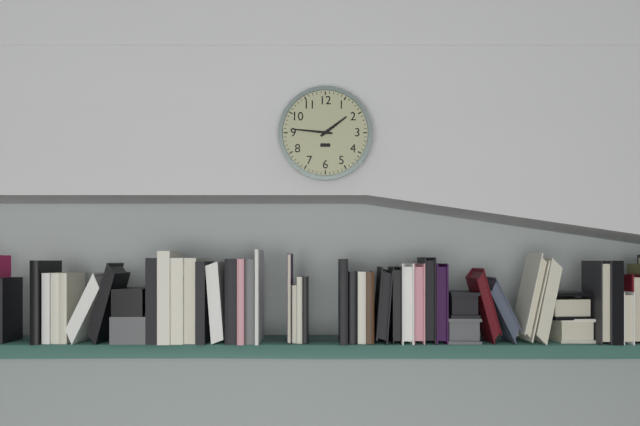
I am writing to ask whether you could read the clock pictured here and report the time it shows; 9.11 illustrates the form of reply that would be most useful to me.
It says 1.46
